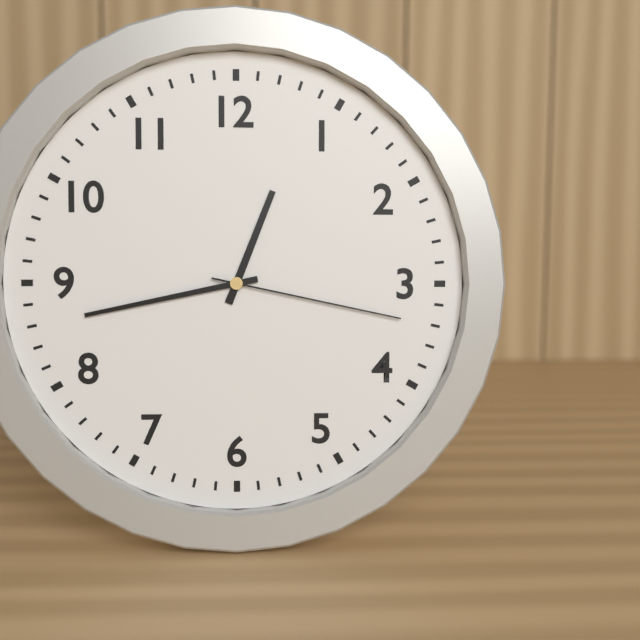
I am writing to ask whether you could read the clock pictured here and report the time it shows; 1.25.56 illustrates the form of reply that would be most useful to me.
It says 12.43.17
